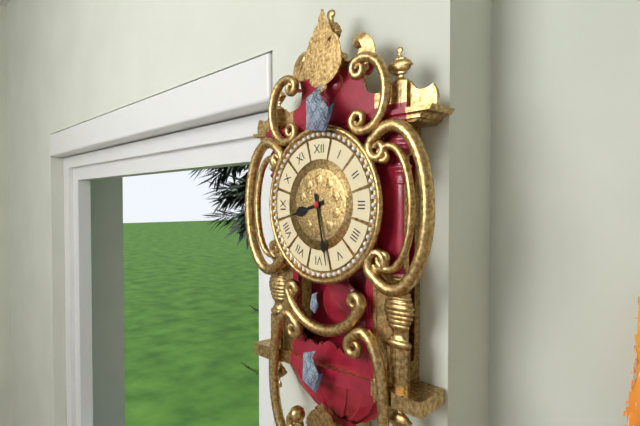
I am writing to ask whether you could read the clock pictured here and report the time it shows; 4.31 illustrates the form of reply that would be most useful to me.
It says 8.28
